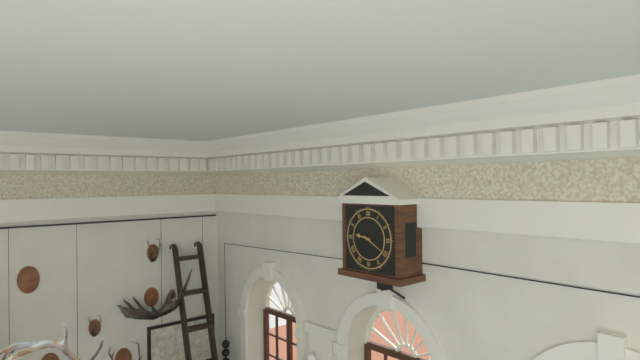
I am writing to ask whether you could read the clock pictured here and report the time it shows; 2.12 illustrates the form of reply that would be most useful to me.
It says 9.20
